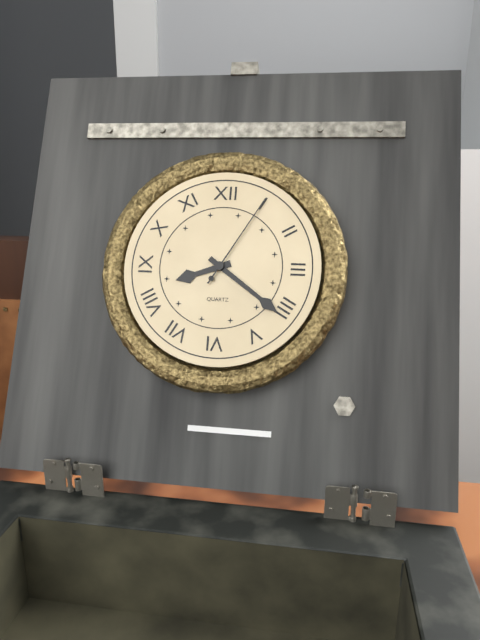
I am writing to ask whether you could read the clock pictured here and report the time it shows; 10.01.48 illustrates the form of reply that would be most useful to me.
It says 8.21.05
